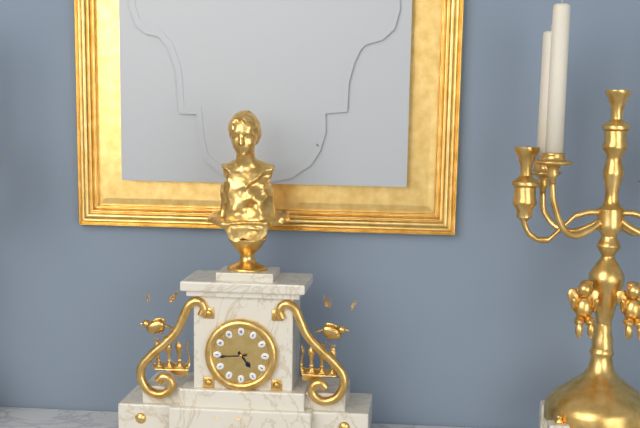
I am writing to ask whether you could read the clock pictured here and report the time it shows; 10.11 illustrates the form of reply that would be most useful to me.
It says 4.44
